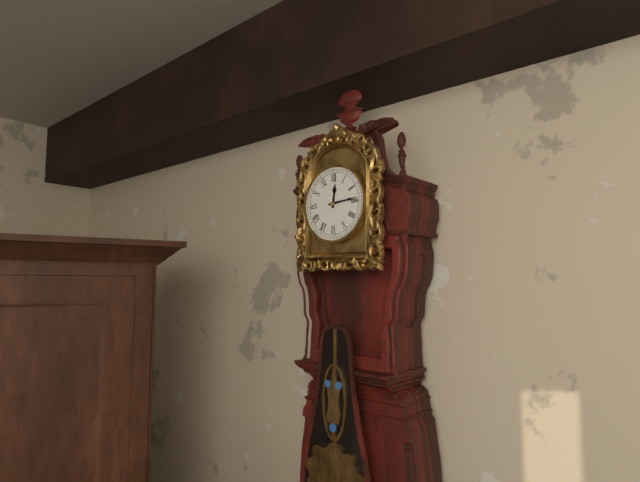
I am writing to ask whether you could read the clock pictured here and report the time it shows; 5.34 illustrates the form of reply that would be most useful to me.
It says 12.14
